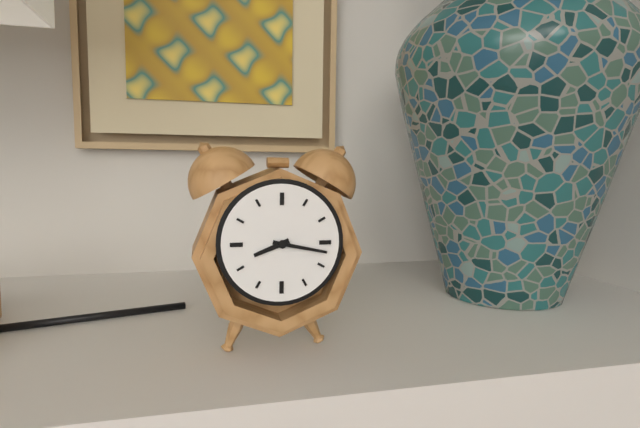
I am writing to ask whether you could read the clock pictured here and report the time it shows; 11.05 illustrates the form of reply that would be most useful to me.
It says 8.17
